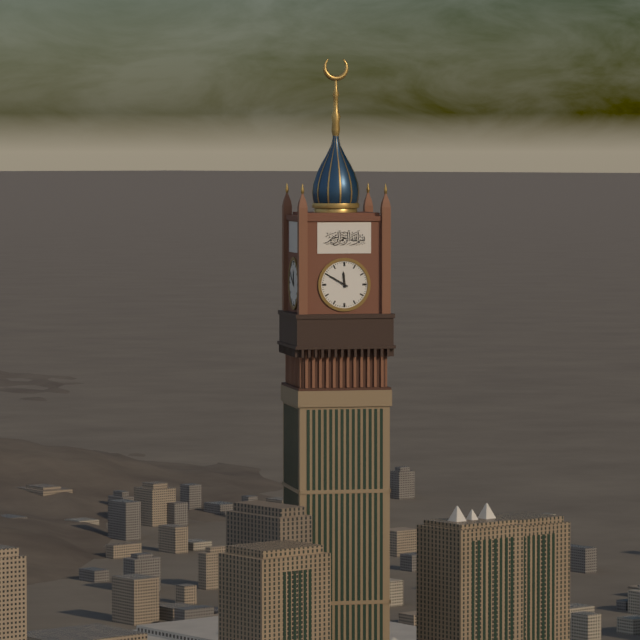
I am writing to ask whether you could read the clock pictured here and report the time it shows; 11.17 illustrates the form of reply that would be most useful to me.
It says 11.50
